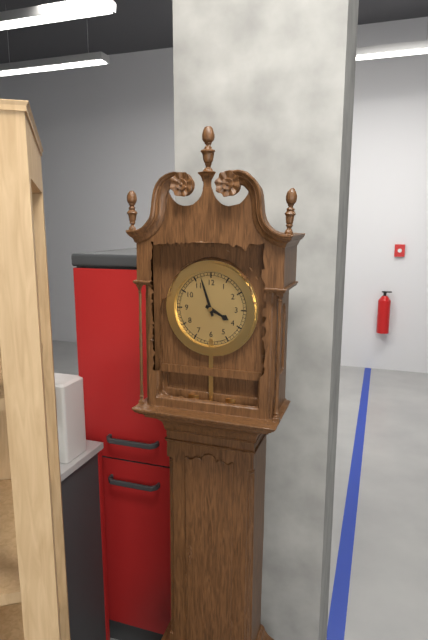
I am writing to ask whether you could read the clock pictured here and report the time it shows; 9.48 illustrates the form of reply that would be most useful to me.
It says 3.57
